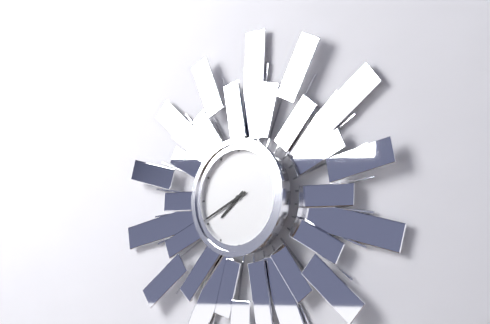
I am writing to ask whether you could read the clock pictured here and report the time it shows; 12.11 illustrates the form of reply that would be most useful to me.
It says 7.41
